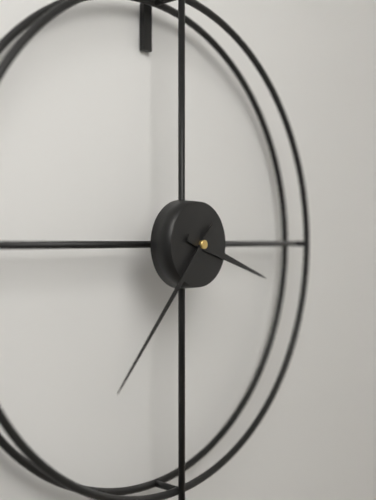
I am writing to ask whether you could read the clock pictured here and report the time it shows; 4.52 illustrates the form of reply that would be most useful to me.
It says 3.37
